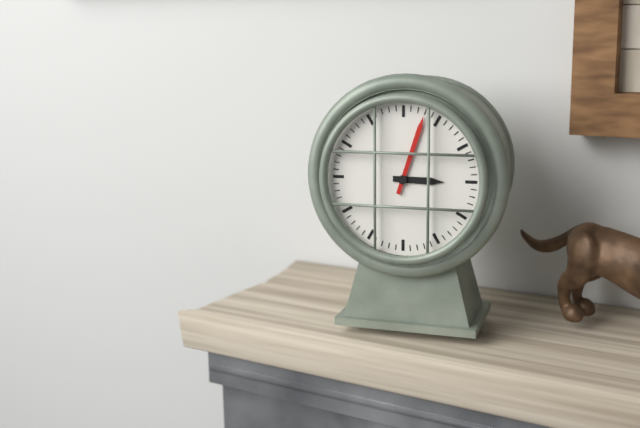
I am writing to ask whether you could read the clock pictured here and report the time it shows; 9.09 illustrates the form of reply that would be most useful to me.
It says 3.03
